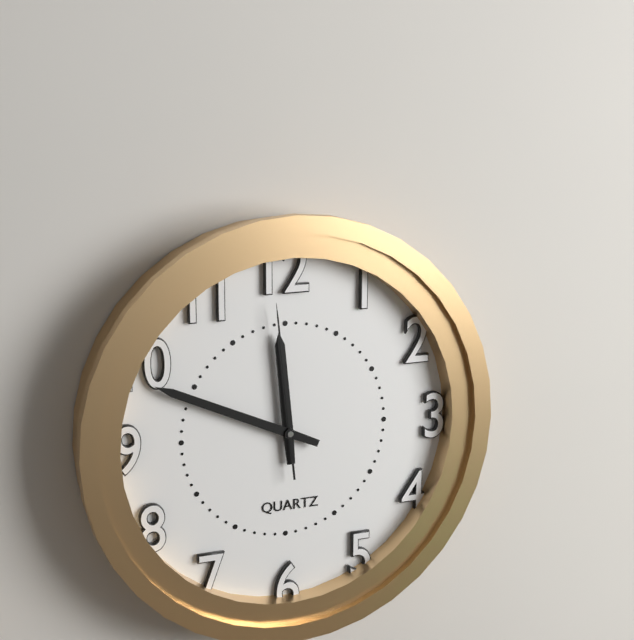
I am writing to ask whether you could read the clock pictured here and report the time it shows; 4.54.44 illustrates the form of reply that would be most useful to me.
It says 11.49.59
